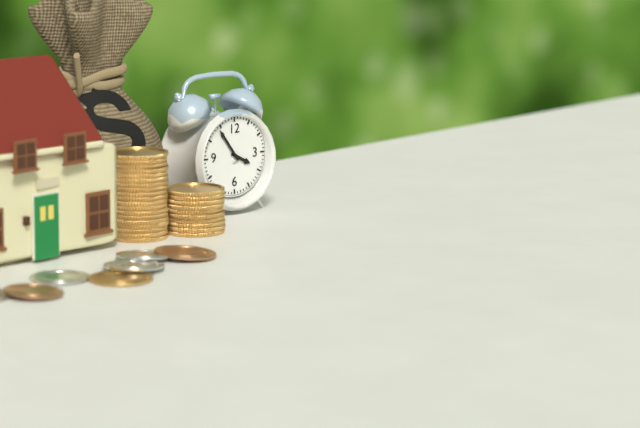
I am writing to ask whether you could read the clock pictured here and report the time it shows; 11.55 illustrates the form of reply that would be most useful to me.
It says 3.54
